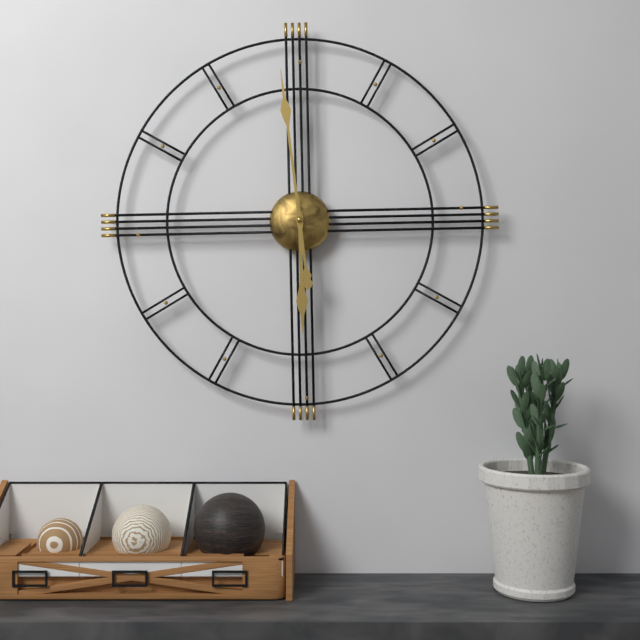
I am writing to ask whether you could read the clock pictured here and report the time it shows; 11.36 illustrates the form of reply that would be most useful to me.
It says 5.59
